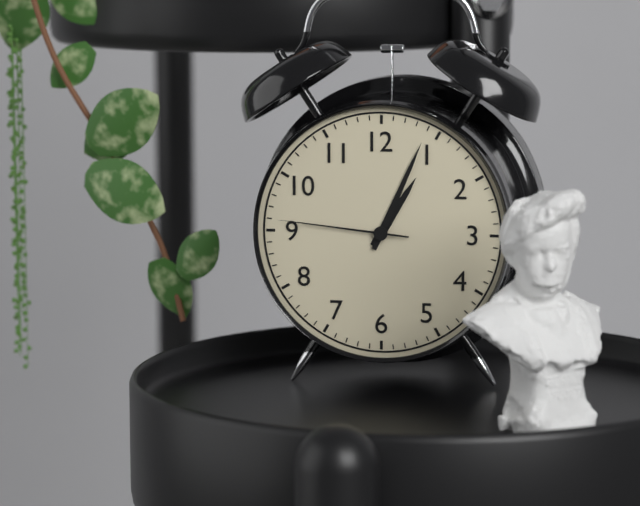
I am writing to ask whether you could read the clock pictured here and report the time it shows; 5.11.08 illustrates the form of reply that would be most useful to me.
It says 1.04.46
